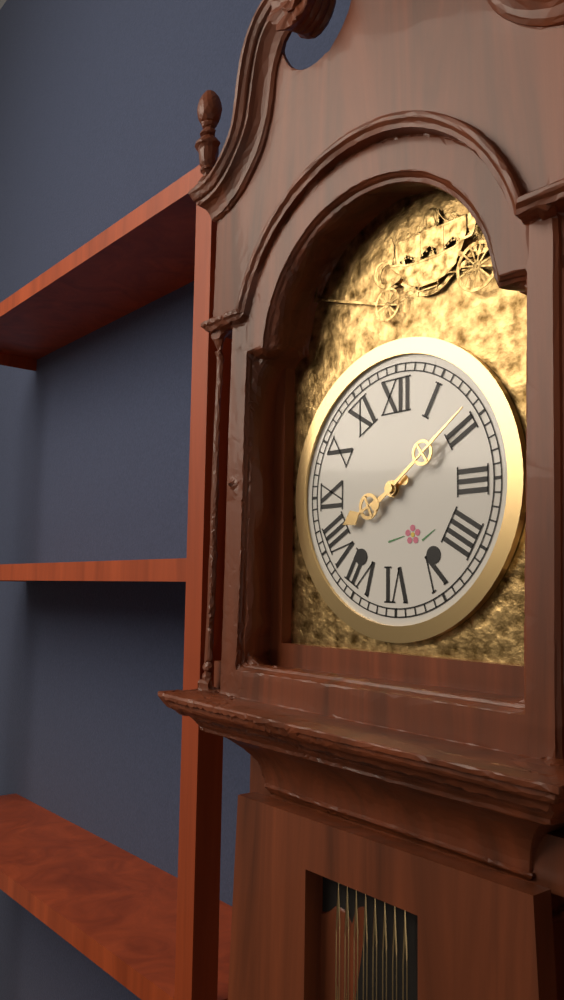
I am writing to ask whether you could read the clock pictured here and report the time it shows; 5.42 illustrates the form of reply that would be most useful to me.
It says 8.09
